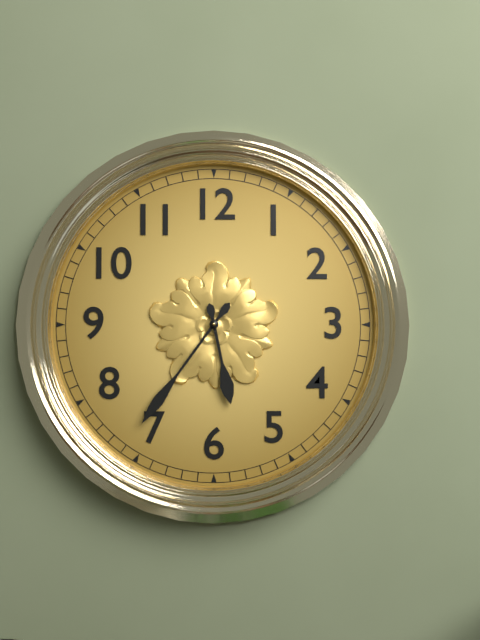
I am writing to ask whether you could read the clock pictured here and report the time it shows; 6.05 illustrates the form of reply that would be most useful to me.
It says 5.36
